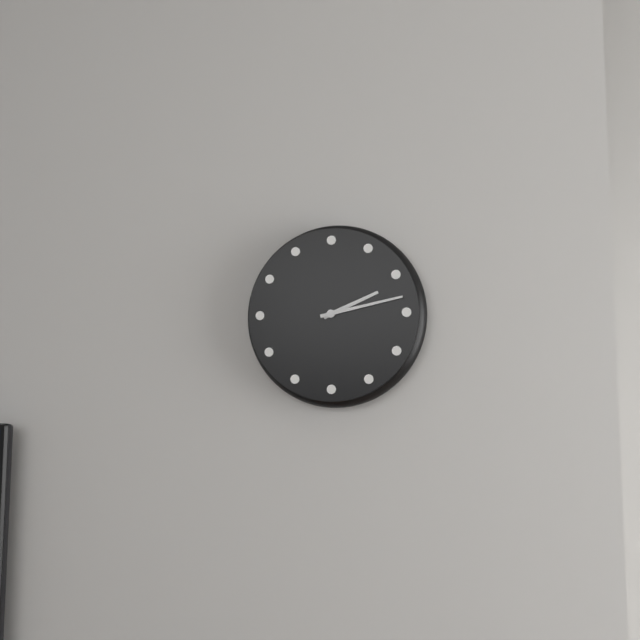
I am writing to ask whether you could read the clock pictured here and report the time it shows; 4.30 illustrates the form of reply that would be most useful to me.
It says 2.13
